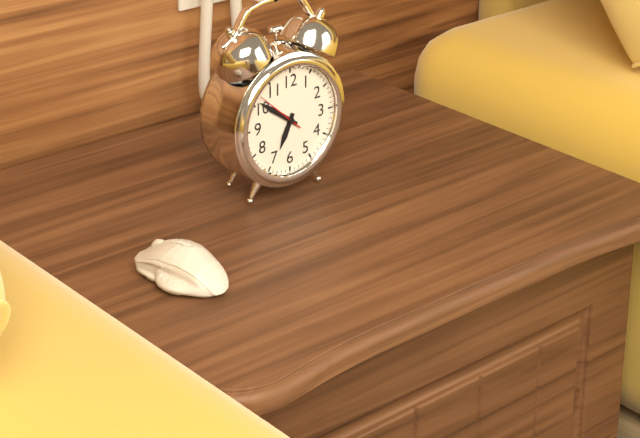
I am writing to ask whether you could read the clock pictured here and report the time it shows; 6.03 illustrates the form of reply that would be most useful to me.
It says 6.51
